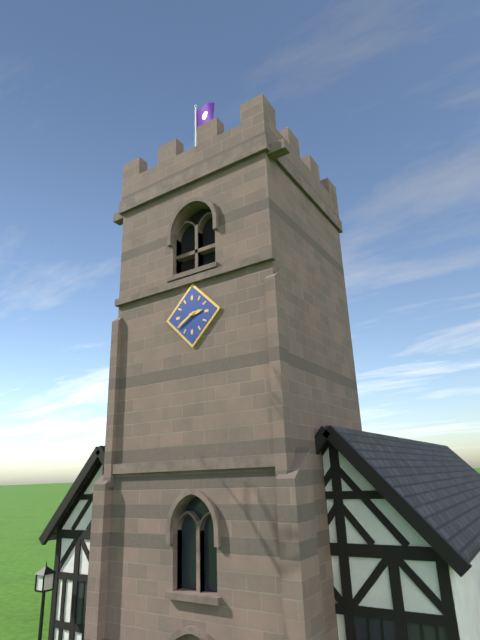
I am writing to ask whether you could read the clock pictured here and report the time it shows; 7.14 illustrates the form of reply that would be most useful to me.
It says 2.40
